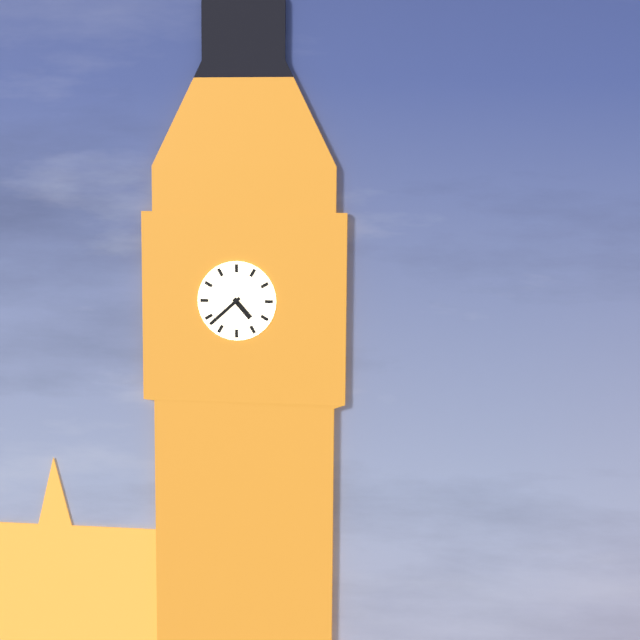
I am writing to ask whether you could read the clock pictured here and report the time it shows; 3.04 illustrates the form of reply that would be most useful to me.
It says 4.38
